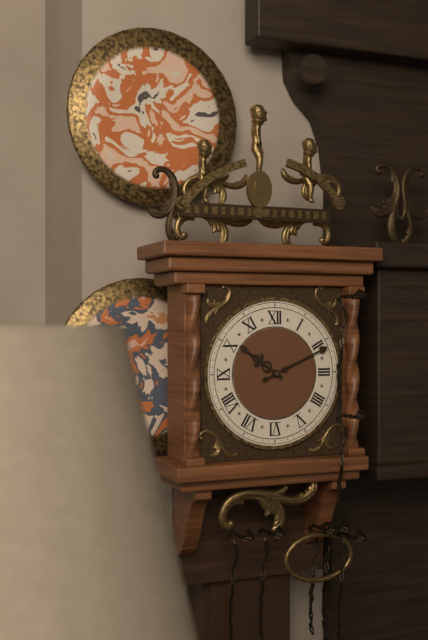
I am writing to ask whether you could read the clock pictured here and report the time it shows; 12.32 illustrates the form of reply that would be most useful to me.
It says 10.11
